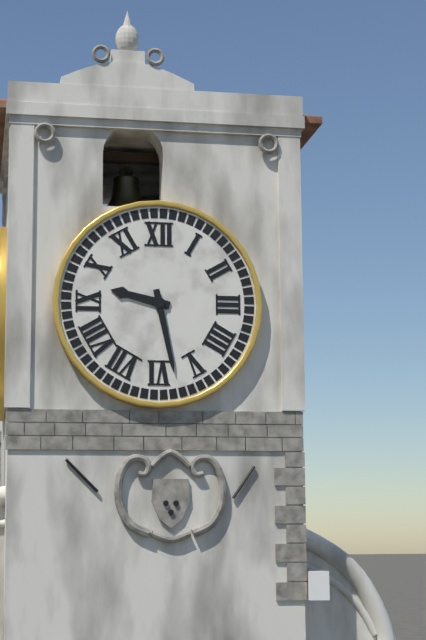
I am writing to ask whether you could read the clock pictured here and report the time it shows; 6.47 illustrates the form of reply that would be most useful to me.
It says 9.28
